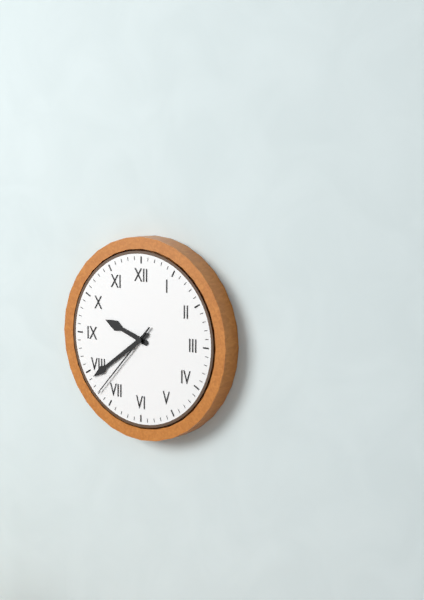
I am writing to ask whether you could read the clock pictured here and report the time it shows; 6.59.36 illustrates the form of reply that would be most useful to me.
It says 9.39.37
